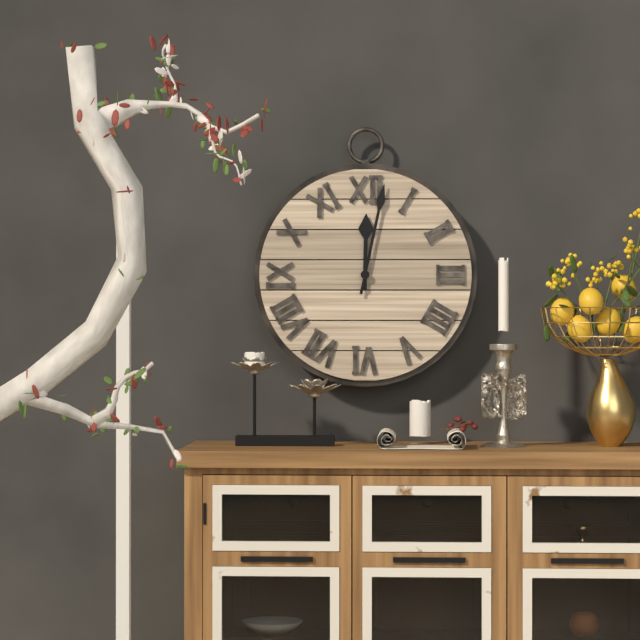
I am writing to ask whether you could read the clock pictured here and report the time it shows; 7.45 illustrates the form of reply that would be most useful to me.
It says 12.02
